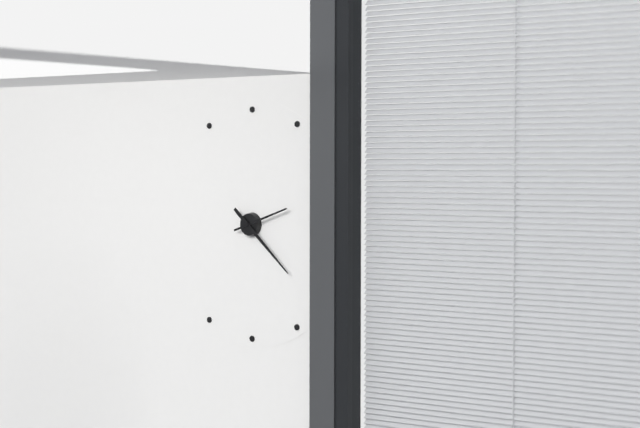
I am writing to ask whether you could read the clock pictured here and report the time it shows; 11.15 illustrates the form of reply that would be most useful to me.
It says 2.22
